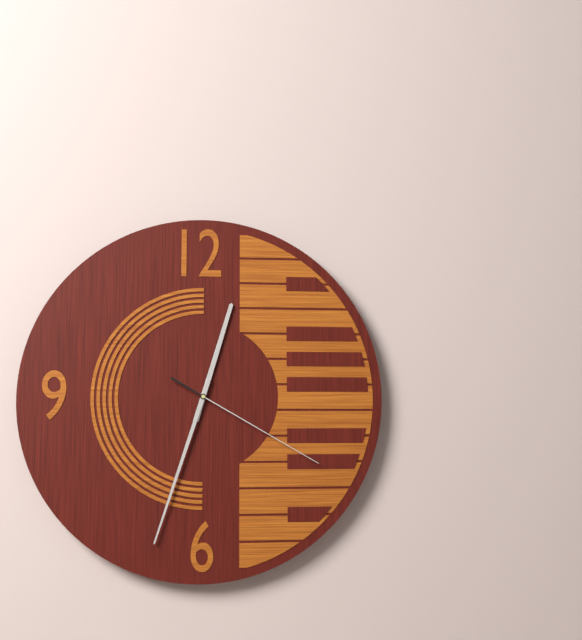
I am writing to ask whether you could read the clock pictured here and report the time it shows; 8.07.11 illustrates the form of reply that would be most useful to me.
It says 12.33.20
